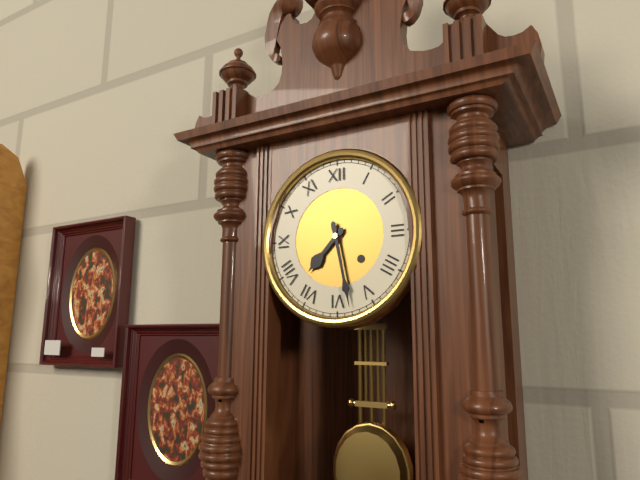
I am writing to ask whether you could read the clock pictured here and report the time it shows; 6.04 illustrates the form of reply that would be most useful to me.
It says 7.28
